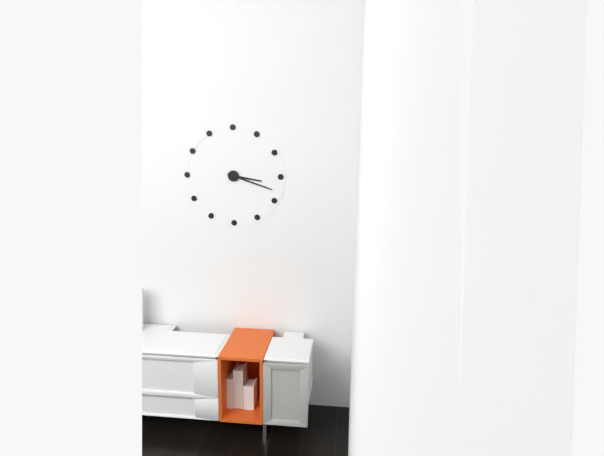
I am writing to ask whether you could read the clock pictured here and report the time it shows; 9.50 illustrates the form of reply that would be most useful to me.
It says 3.18
